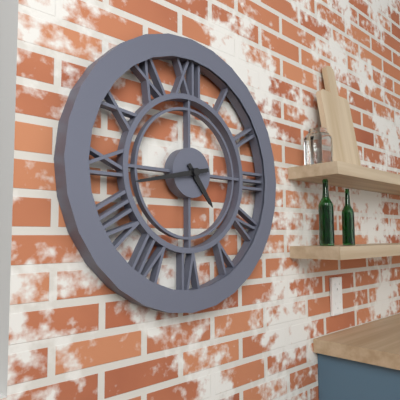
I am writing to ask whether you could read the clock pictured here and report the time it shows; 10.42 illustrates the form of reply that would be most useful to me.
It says 4.43
